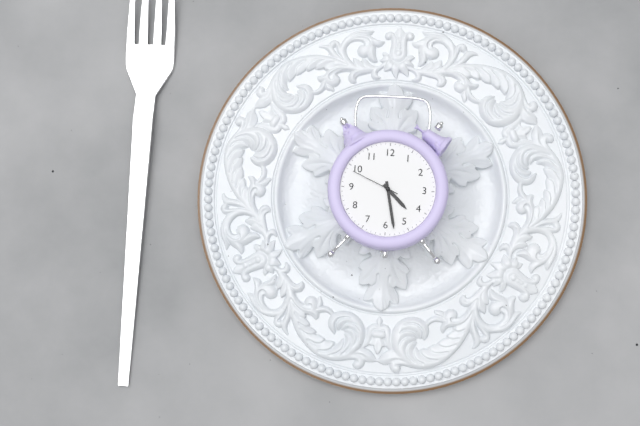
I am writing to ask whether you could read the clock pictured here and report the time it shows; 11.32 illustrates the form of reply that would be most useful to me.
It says 4.28
